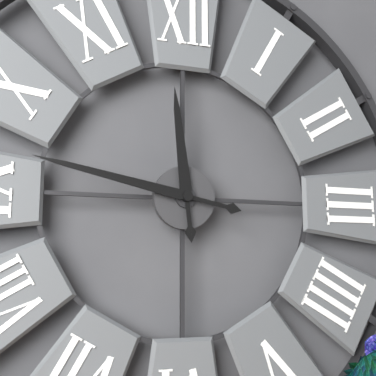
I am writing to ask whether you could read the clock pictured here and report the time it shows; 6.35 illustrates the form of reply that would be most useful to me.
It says 11.47
